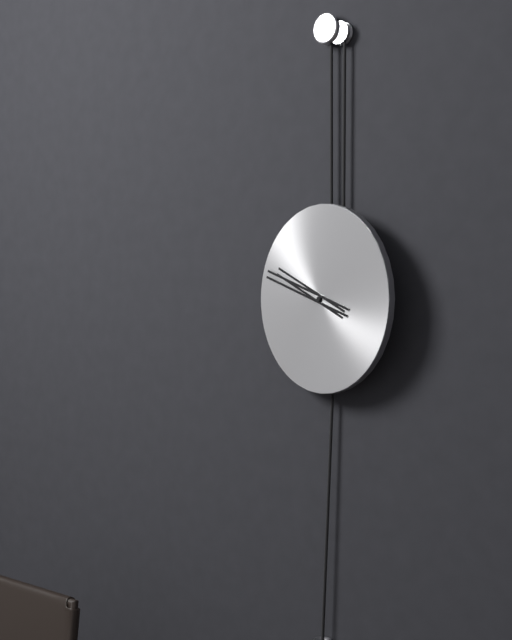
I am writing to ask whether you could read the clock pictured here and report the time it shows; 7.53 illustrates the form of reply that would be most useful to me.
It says 9.48
